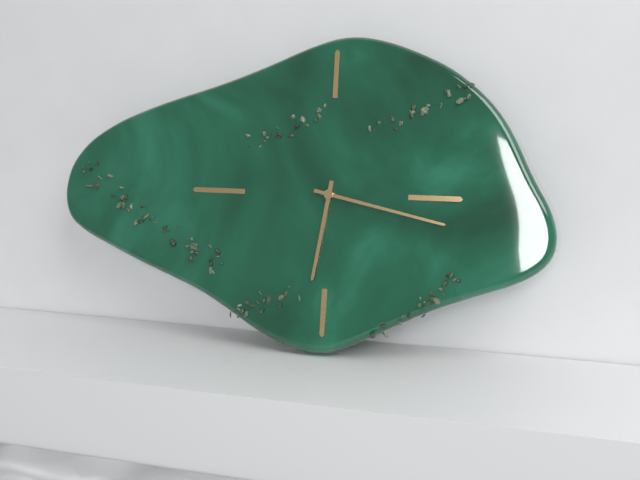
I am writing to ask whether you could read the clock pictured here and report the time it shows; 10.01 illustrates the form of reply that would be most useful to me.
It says 6.17
